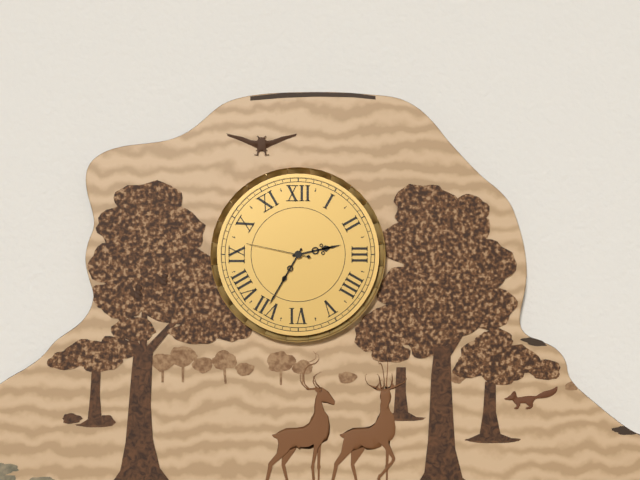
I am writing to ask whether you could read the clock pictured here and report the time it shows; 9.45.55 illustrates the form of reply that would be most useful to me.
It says 2.35.47
